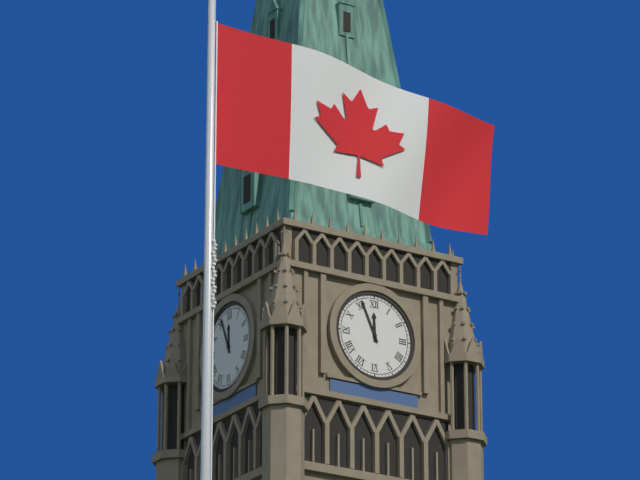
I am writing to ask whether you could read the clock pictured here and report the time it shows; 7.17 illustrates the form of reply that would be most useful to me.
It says 11.56
